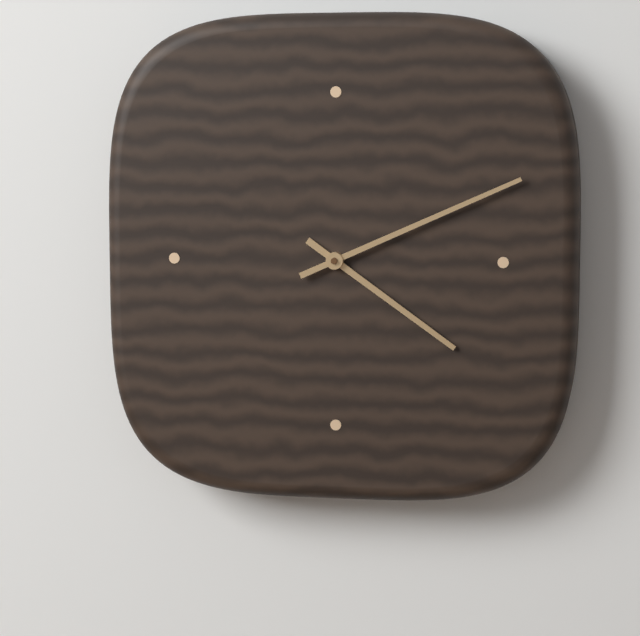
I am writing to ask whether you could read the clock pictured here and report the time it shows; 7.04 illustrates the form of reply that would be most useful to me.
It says 4.11
